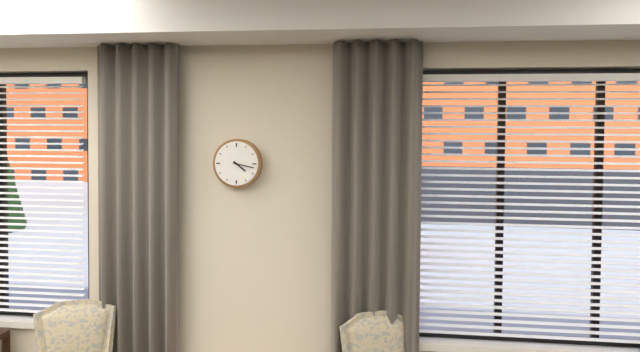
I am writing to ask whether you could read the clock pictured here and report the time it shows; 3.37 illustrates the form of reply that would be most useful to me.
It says 4.17
